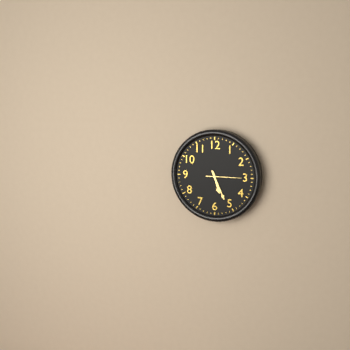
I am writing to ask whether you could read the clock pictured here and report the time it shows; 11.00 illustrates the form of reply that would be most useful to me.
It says 5.26
